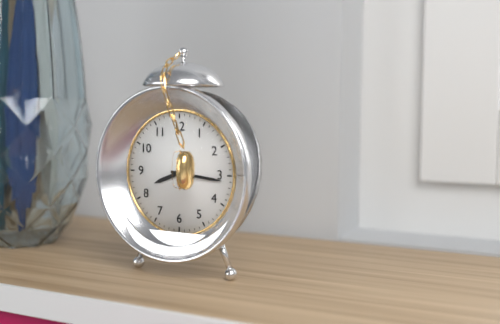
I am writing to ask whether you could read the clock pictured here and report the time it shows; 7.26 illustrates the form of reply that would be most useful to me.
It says 8.16
